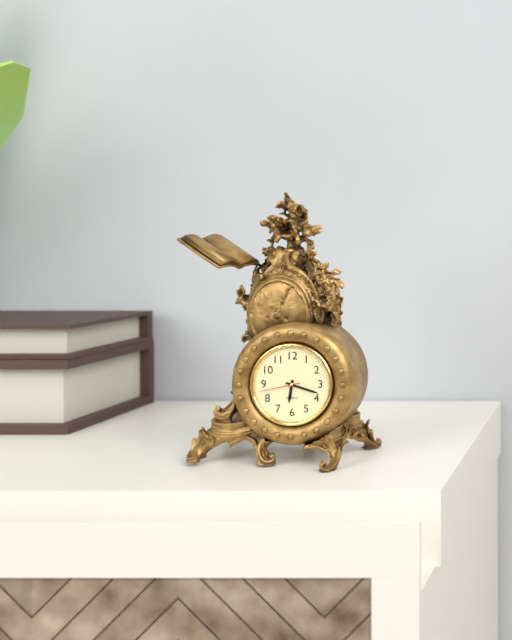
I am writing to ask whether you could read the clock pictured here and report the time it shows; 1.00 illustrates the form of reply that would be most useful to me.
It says 6.18
